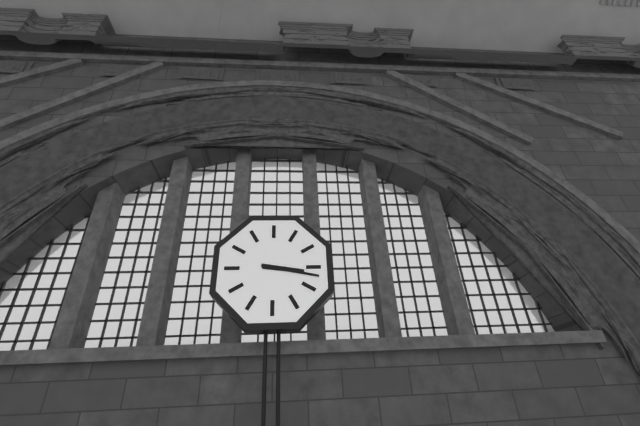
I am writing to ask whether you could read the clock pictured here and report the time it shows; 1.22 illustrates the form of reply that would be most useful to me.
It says 3.17
